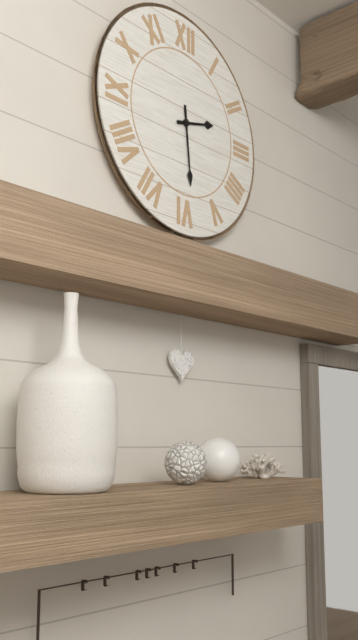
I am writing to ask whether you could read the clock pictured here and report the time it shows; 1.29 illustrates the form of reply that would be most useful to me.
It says 2.29
